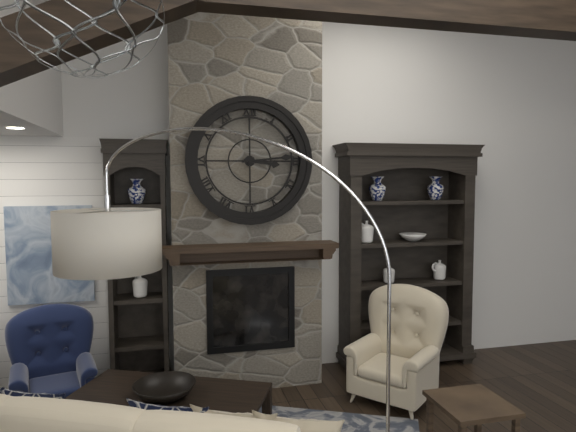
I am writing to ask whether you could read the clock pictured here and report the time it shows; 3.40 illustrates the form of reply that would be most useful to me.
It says 3.14
